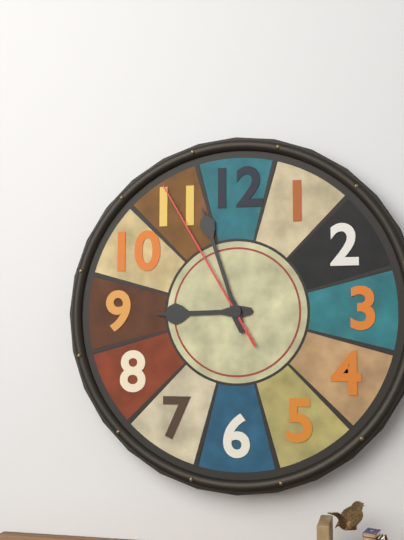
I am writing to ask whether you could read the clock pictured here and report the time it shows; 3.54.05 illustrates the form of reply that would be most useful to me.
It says 8.57.55
